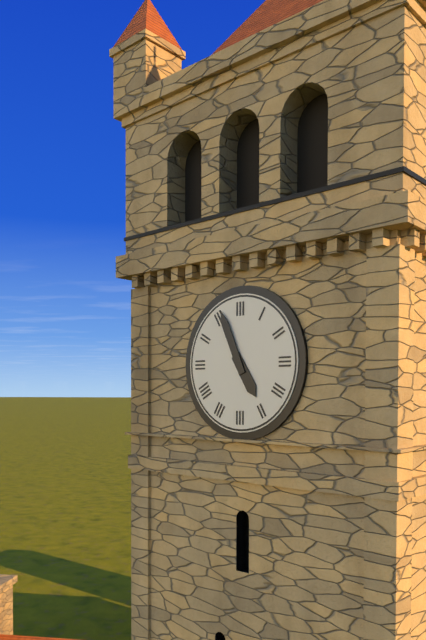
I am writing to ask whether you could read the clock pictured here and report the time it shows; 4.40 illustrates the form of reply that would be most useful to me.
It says 4.56
